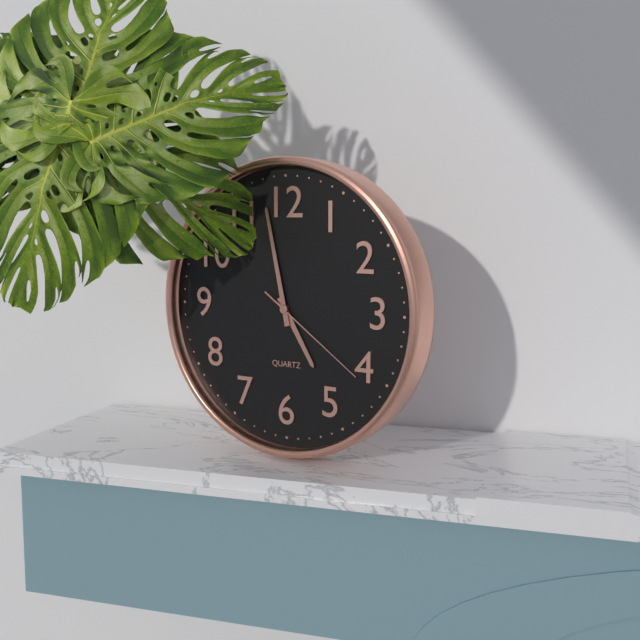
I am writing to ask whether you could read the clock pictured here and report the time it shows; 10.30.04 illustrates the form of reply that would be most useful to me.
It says 4.58.21
